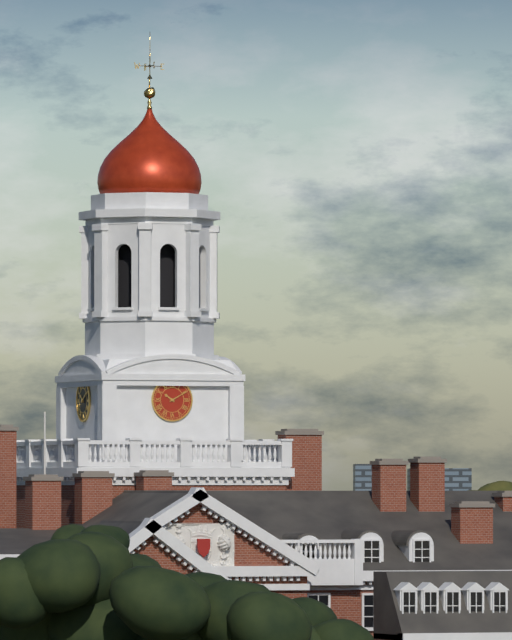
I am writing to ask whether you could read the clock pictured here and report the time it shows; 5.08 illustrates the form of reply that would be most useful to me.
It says 10.10
